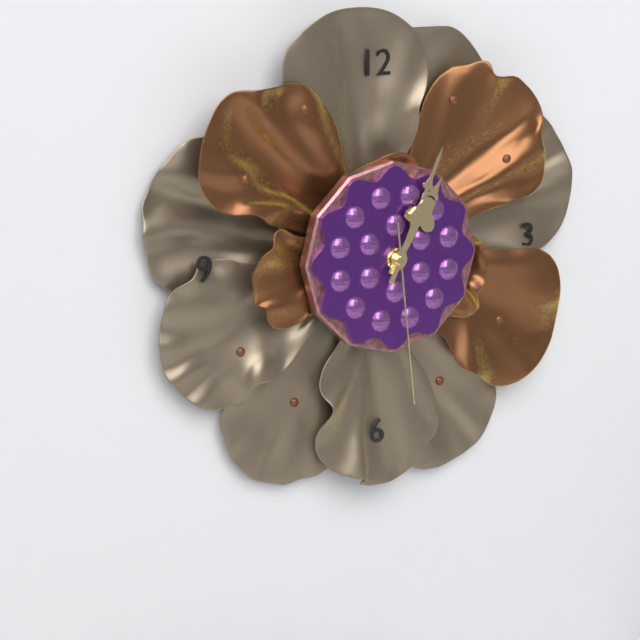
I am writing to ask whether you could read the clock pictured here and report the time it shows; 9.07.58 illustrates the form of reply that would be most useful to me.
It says 1.04.29
